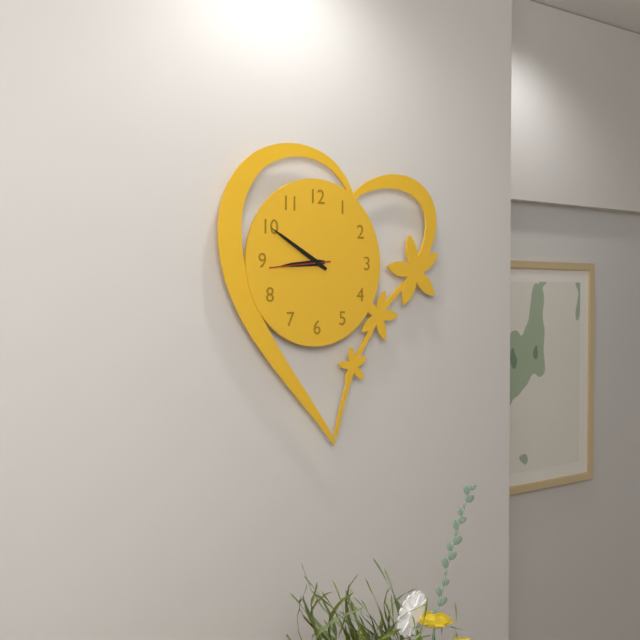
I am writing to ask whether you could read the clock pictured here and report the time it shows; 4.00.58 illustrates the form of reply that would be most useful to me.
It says 8.50.44
